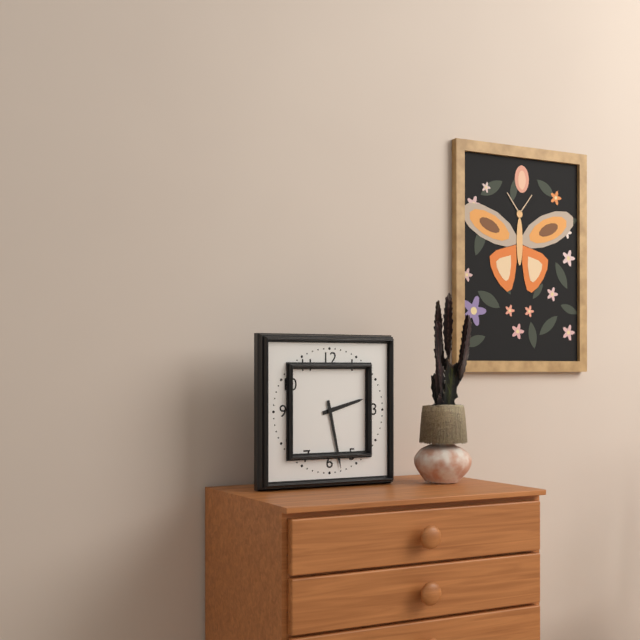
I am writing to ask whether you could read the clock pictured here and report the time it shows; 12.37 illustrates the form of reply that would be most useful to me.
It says 2.28
